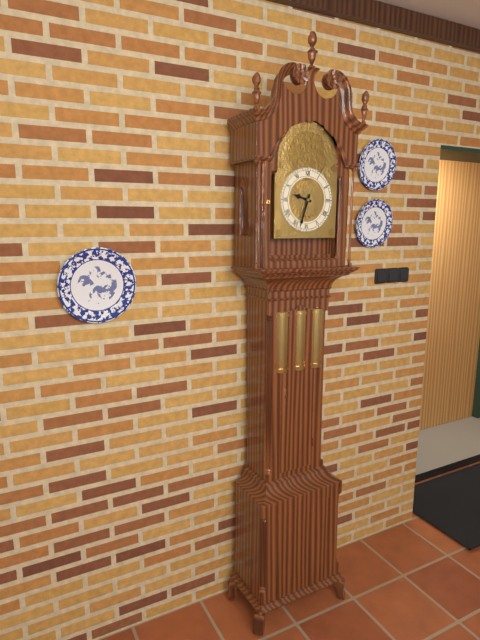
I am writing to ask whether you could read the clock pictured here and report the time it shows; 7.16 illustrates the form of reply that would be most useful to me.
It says 9.33
